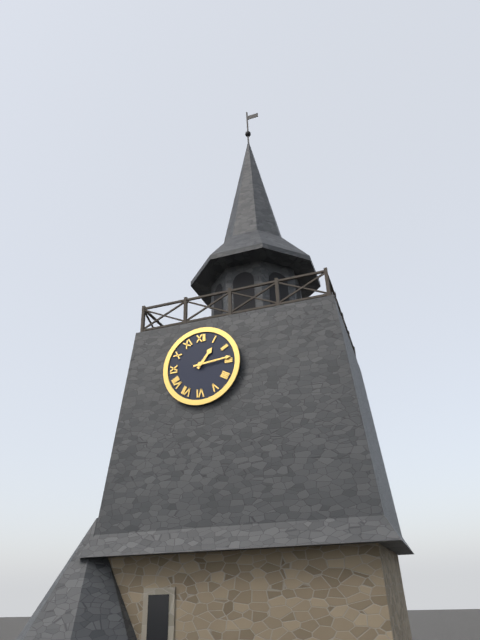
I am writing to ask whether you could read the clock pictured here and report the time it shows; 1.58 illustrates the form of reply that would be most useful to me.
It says 1.14
